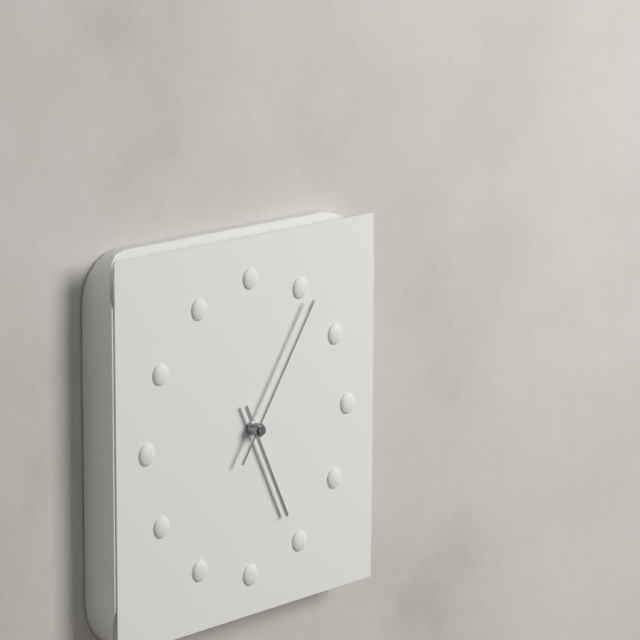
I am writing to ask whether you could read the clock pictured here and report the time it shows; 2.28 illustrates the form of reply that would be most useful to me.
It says 5.06
